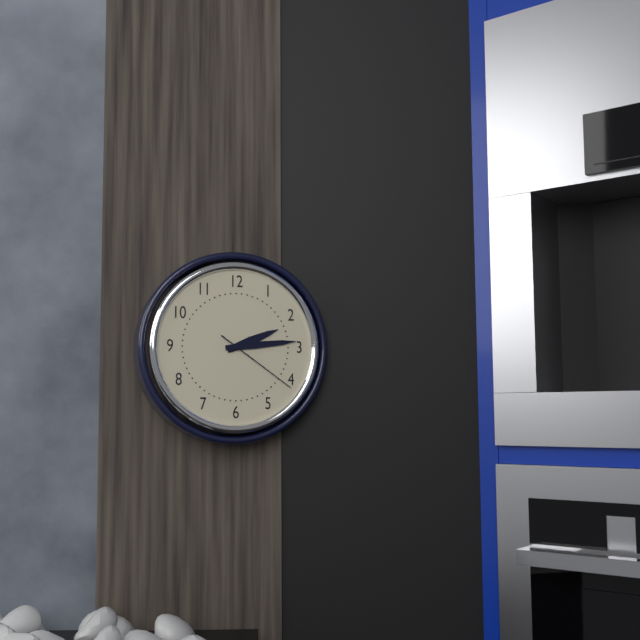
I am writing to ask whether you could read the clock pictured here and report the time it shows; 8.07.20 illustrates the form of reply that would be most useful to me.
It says 2.14.21
